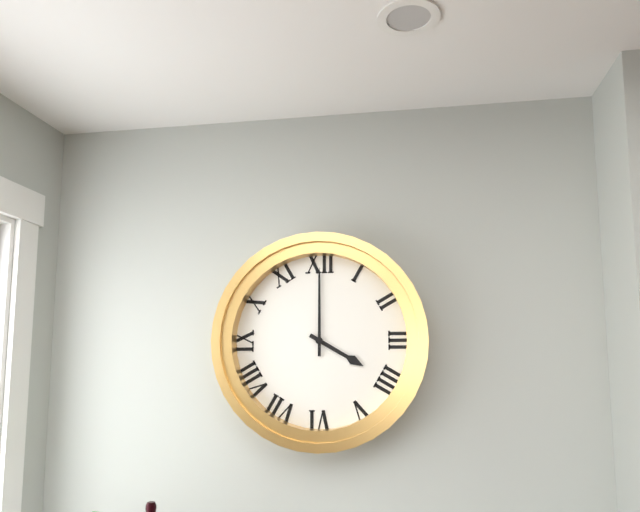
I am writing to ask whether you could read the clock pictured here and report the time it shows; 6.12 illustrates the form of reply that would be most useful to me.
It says 4.00
